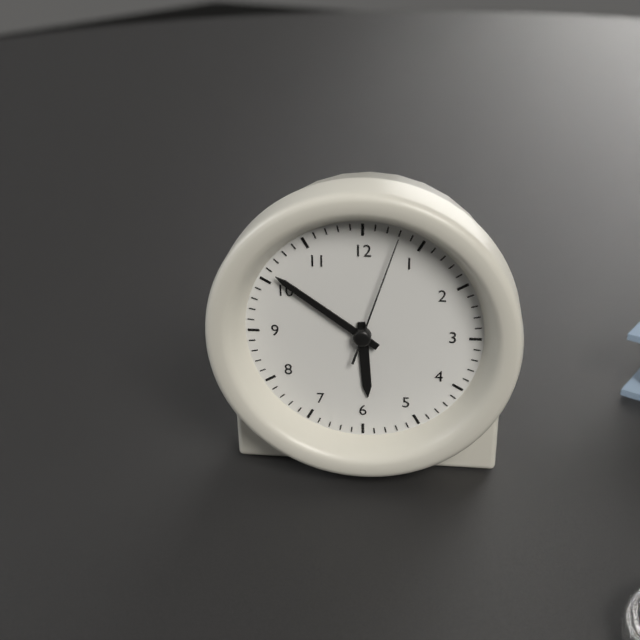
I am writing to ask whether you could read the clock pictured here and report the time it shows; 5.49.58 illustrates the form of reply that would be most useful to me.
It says 5.51.03
